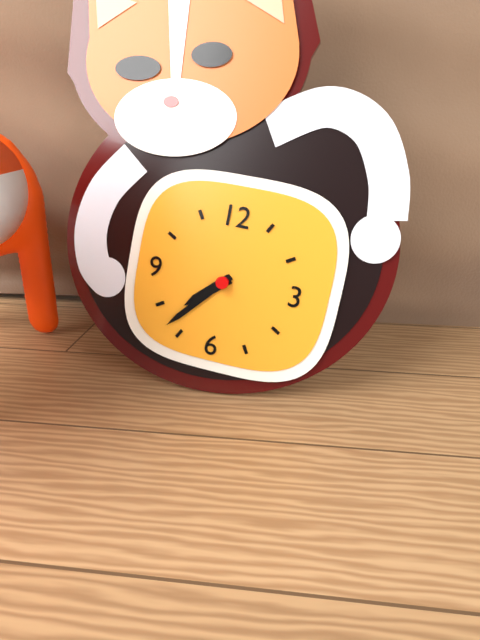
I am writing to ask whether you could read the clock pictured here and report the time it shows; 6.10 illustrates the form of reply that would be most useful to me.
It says 7.37
